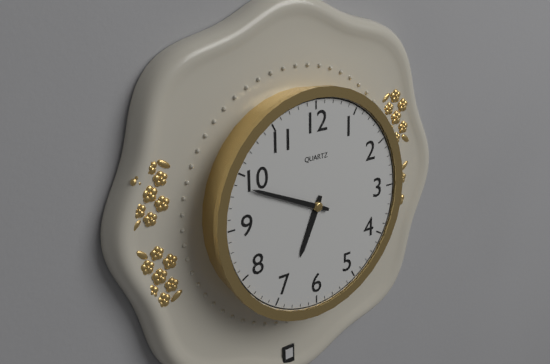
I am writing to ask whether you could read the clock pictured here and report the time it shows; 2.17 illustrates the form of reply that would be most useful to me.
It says 6.49
